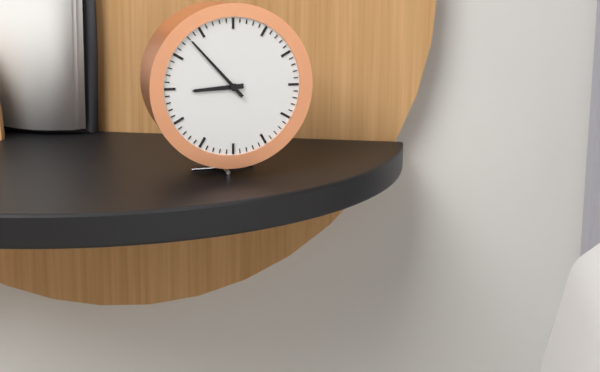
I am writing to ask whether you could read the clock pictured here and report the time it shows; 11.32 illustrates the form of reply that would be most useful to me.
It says 8.53
